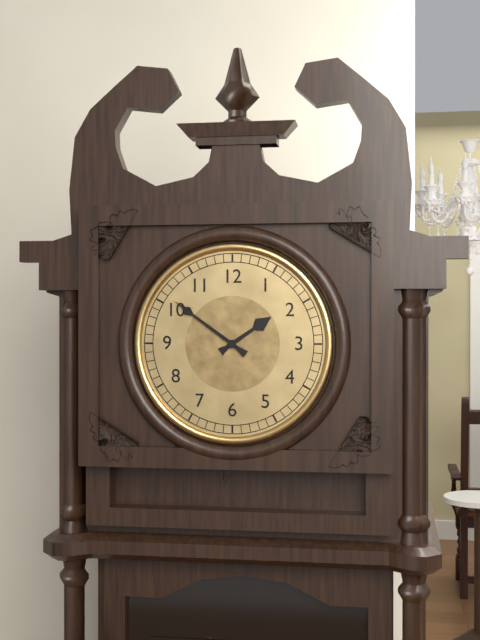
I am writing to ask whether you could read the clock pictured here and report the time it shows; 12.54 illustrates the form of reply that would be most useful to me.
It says 1.51
